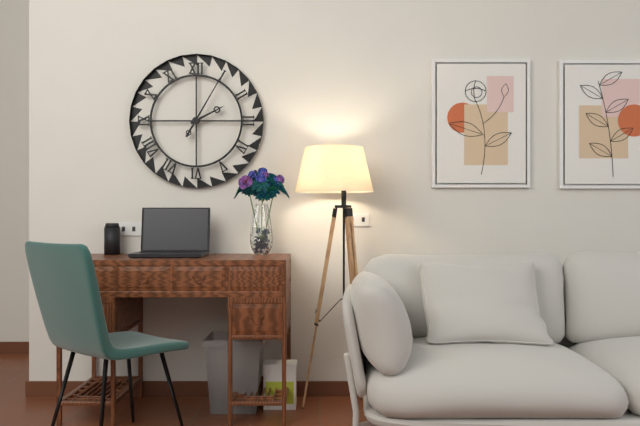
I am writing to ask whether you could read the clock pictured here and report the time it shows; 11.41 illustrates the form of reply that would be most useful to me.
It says 2.05
